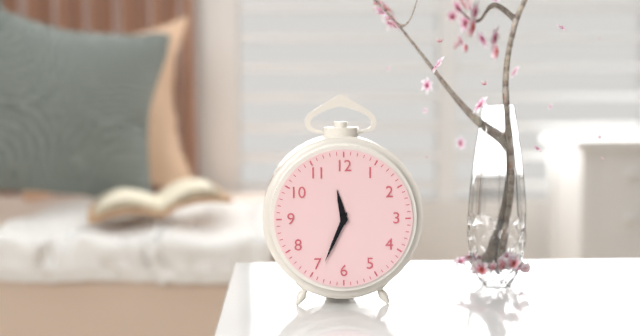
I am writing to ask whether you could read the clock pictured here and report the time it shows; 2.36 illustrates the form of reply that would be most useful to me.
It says 11.34
